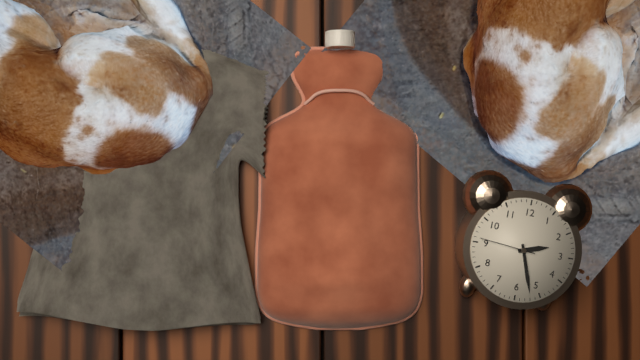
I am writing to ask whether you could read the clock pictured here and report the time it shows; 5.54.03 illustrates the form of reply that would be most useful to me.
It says 2.27.46
